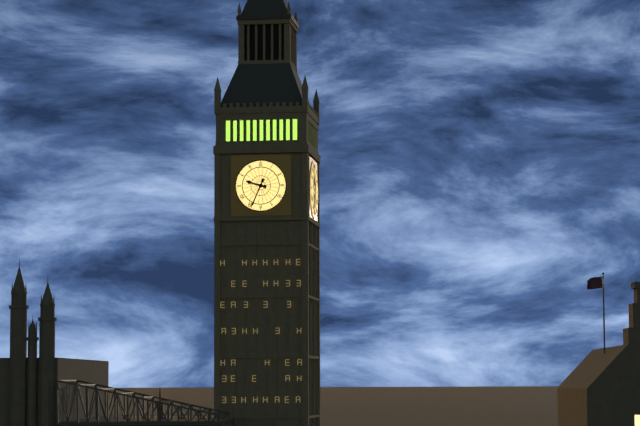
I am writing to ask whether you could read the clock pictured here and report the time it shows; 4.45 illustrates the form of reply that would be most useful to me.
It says 9.34
